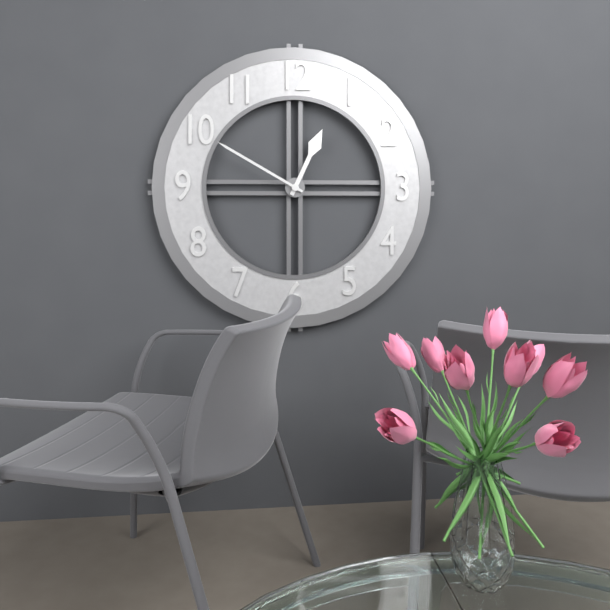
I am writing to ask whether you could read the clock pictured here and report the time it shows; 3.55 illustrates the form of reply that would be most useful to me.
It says 12.50
